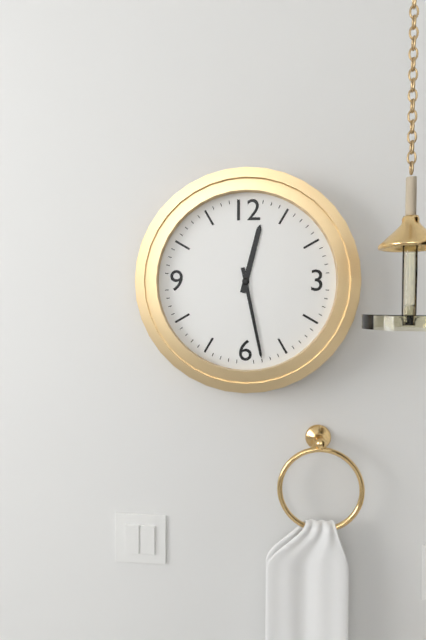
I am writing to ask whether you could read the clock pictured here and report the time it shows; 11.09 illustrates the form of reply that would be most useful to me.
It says 12.28
